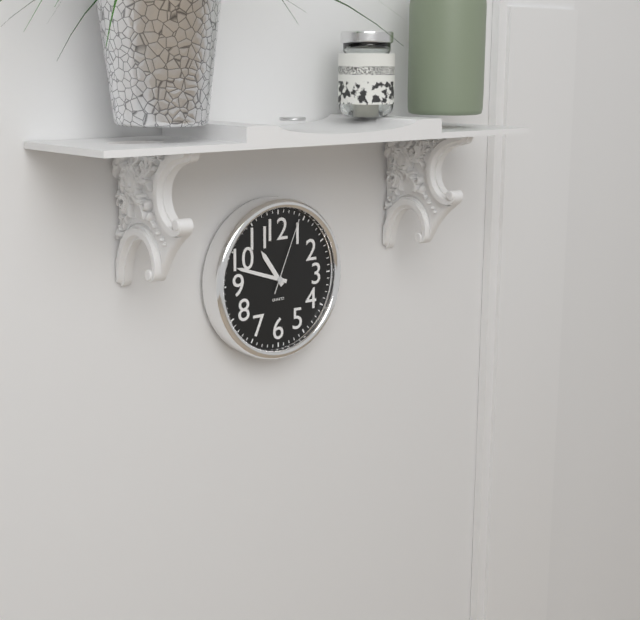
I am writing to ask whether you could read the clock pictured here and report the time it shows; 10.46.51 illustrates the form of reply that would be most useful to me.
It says 10.48.04
